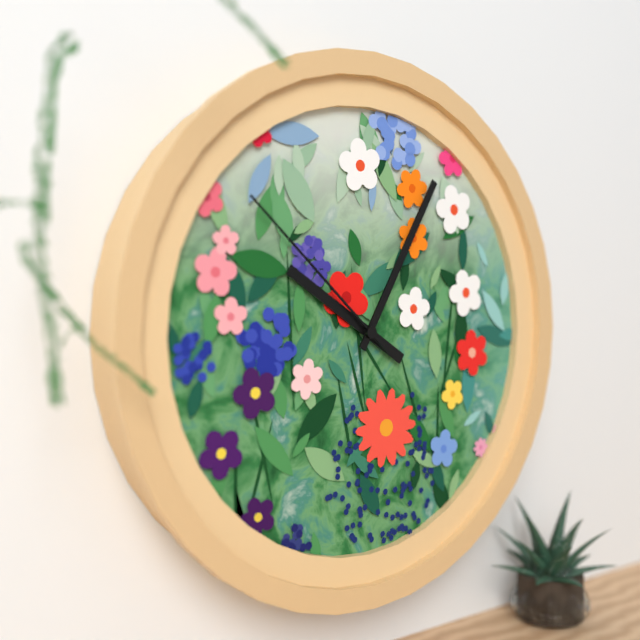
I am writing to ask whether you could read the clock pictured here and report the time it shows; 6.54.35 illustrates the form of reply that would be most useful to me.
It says 10.05.52
